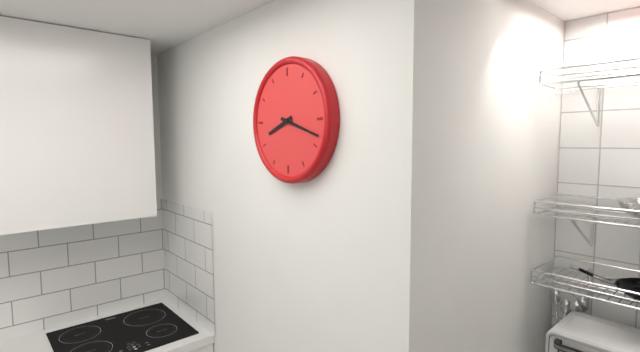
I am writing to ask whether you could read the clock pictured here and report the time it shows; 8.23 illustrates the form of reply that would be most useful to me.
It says 8.18
